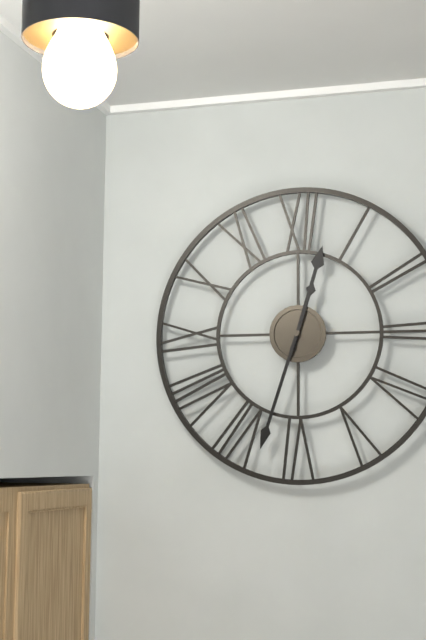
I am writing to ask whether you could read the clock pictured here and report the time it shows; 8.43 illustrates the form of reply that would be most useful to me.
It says 12.33
